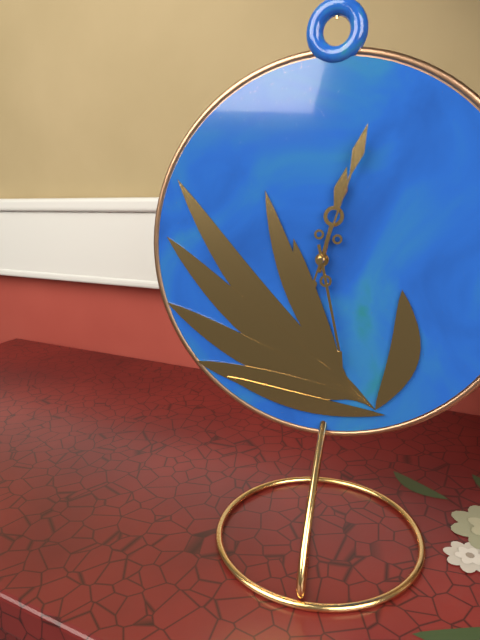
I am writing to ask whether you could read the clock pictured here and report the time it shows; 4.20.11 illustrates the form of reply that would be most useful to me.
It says 12.28.03
